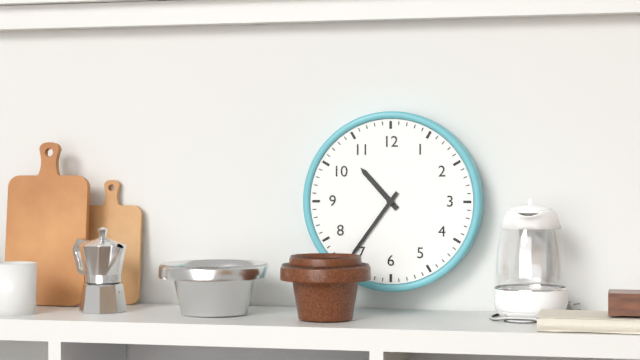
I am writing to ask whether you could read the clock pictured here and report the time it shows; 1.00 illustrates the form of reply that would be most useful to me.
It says 10.36
